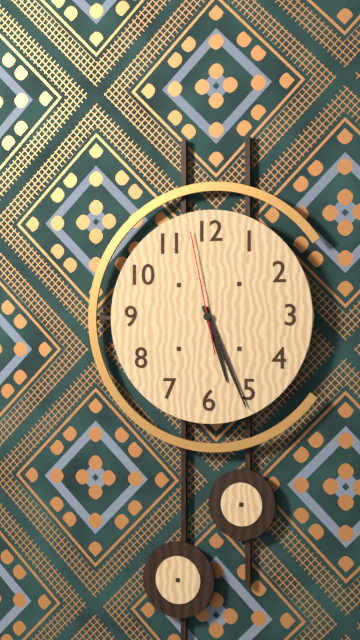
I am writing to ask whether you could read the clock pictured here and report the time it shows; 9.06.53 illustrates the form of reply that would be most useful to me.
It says 5.26.58
